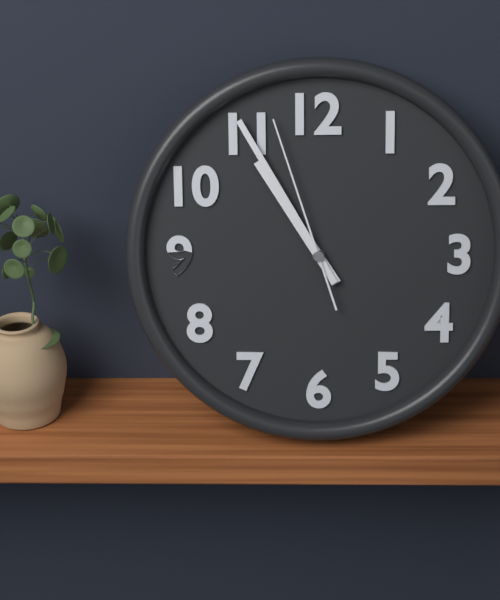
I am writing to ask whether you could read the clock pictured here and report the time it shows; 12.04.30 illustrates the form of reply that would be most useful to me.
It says 10.55.57
